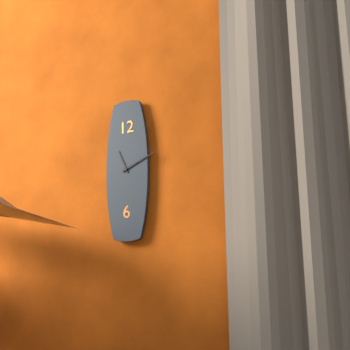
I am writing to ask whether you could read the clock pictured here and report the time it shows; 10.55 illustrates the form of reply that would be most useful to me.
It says 11.11
